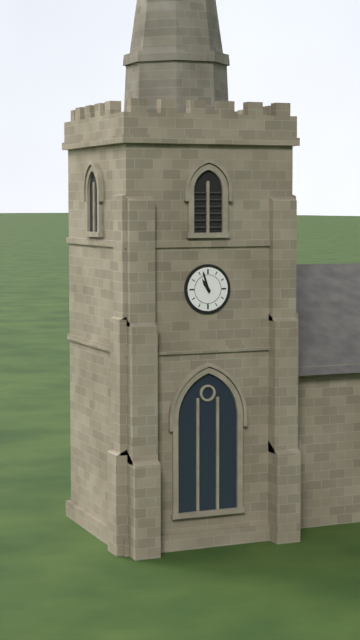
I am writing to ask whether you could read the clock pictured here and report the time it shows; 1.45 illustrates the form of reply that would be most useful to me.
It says 10.57
